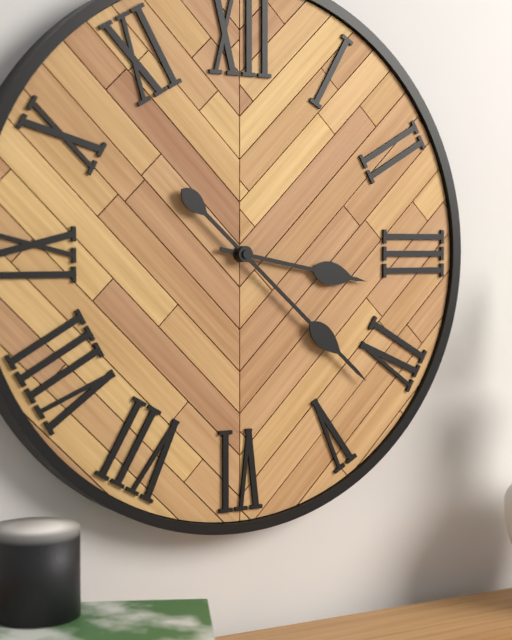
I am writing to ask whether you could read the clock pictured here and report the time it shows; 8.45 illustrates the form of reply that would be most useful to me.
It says 3.22
